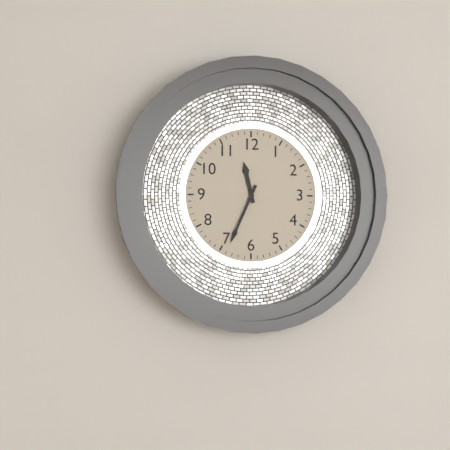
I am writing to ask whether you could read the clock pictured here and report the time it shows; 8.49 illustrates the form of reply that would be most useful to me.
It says 11.34
